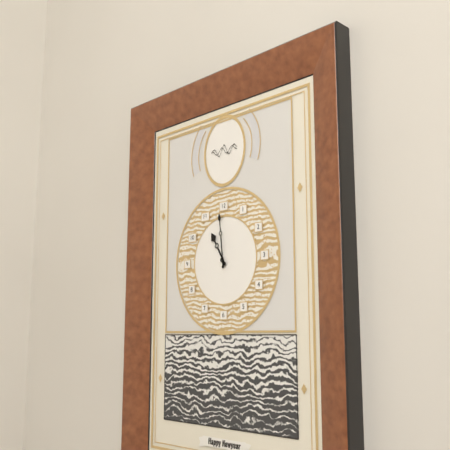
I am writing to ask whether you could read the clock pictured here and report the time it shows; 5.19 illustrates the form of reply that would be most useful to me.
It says 10.59
